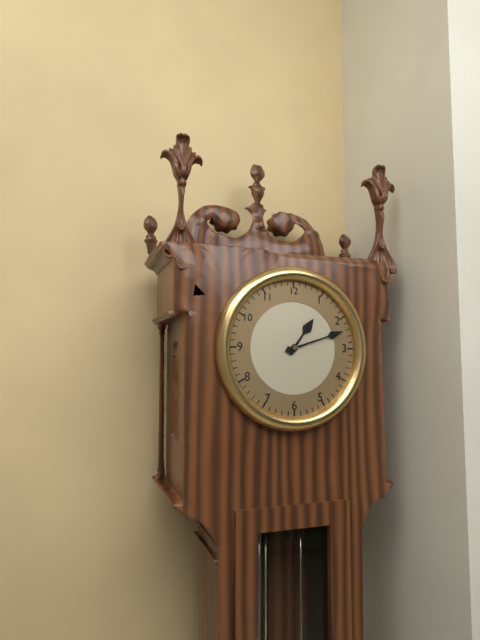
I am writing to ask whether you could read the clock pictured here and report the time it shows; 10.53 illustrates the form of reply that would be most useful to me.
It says 1.12
